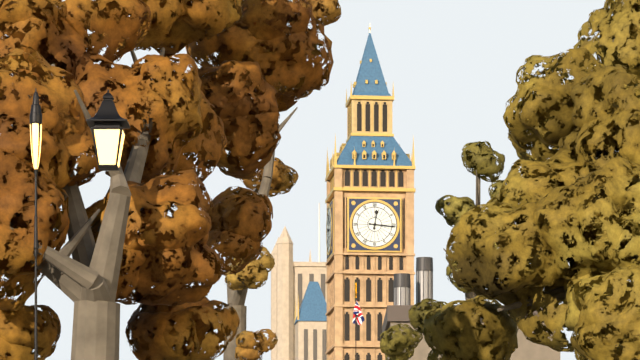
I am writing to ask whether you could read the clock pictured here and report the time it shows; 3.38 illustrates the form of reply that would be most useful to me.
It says 12.16
